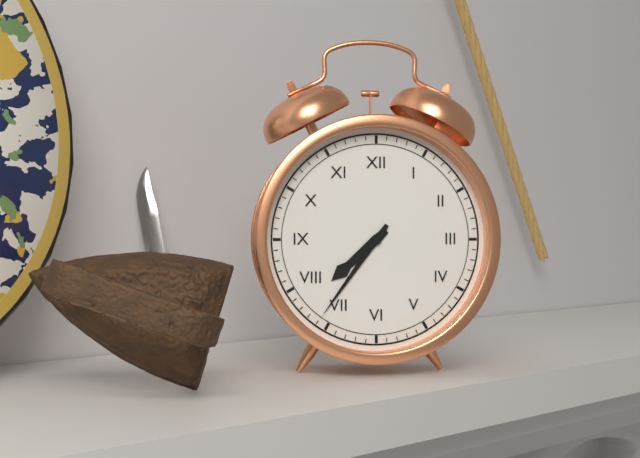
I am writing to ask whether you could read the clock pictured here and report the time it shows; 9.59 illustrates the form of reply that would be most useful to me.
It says 7.36
